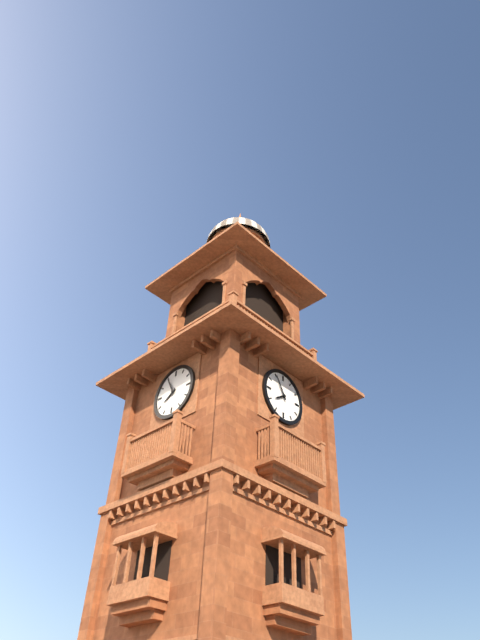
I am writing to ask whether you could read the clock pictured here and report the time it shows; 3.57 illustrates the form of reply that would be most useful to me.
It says 7.55
